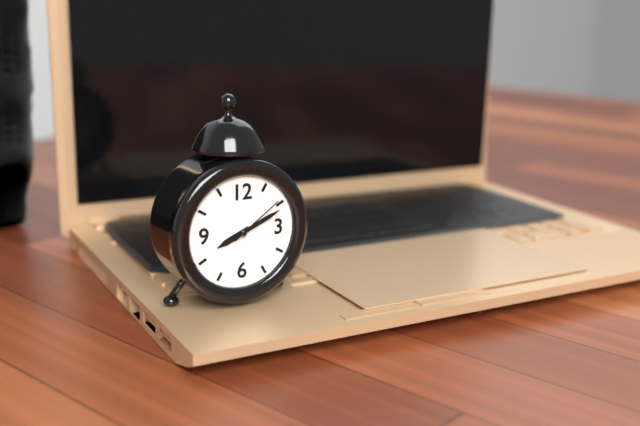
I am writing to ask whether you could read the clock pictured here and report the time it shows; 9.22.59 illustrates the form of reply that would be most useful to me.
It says 8.11.09
